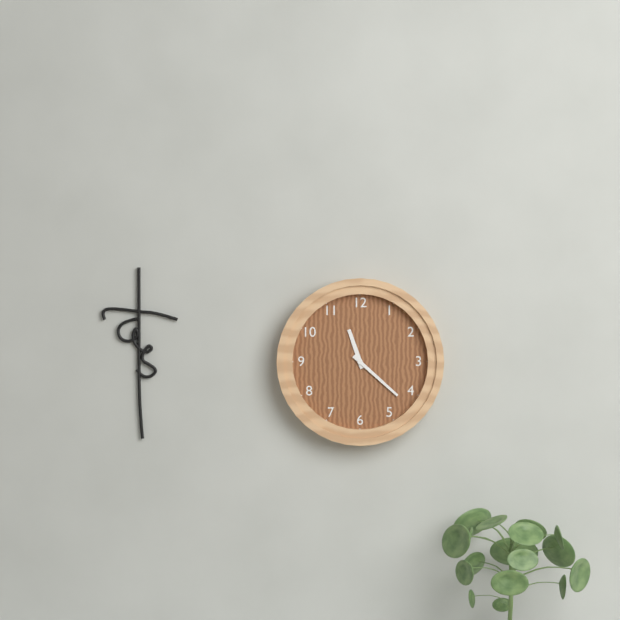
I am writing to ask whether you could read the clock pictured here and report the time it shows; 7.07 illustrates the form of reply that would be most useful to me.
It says 11.22
